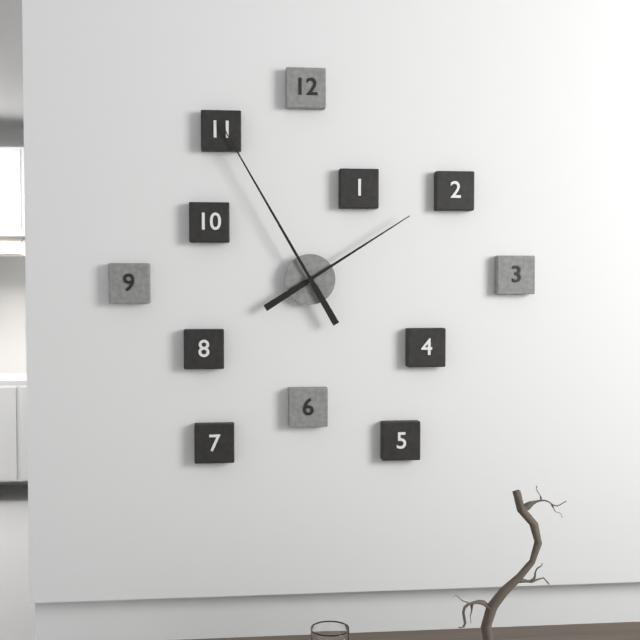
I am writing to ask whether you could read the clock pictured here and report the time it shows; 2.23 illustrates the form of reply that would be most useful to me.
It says 1.55
